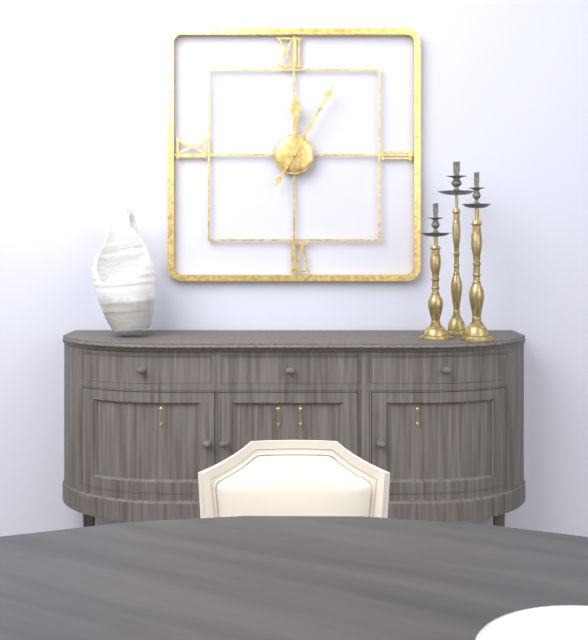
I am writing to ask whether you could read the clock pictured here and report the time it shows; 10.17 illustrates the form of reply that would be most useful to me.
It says 12.05
